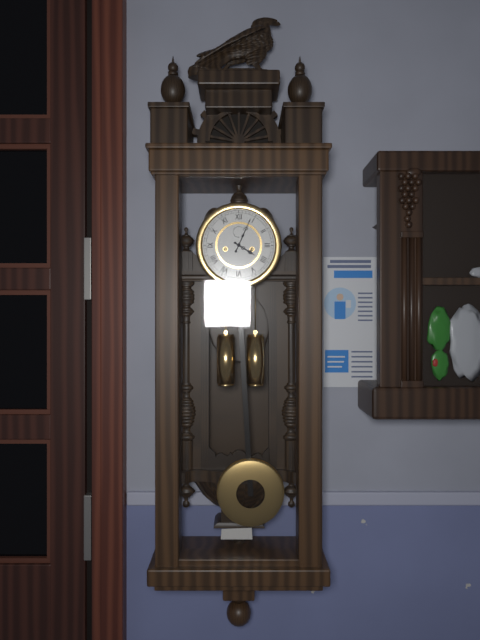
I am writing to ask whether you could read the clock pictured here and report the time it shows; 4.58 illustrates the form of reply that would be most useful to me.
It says 4.04
